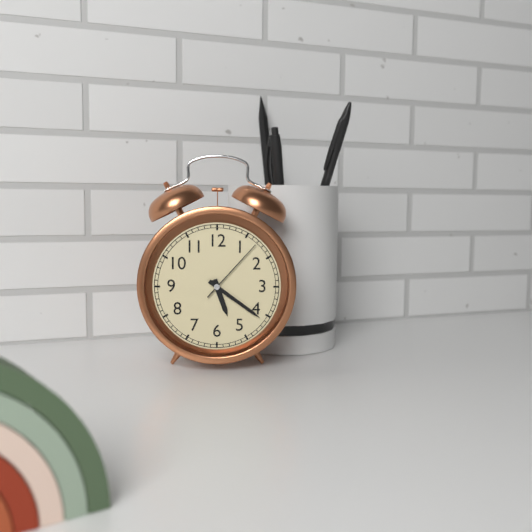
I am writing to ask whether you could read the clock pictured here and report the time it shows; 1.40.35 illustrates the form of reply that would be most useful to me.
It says 5.21.07
